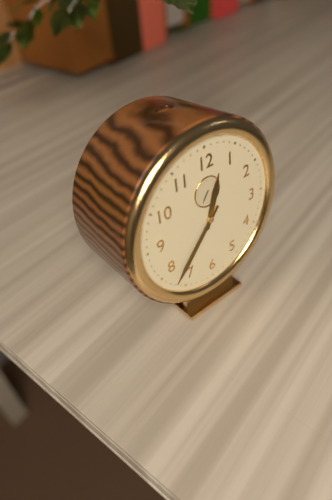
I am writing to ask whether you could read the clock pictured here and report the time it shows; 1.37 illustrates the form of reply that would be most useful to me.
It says 12.37
